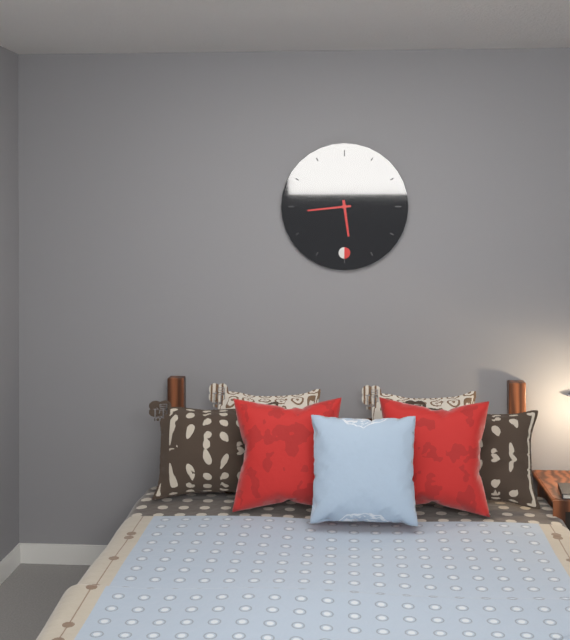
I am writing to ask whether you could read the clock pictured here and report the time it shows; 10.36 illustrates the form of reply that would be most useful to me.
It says 5.44
